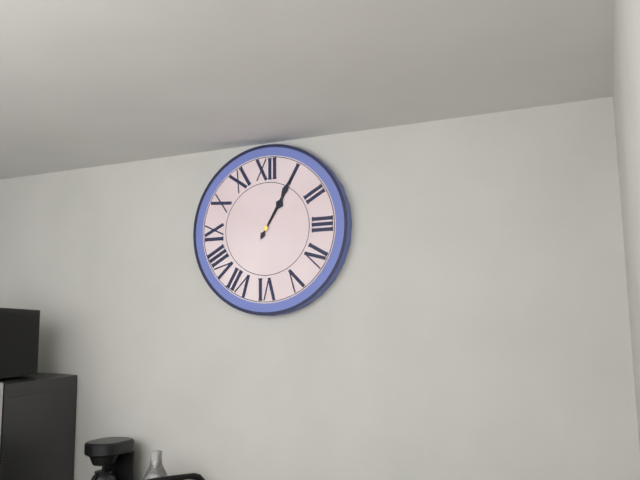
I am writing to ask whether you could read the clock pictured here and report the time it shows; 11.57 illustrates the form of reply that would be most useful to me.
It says 1.05
